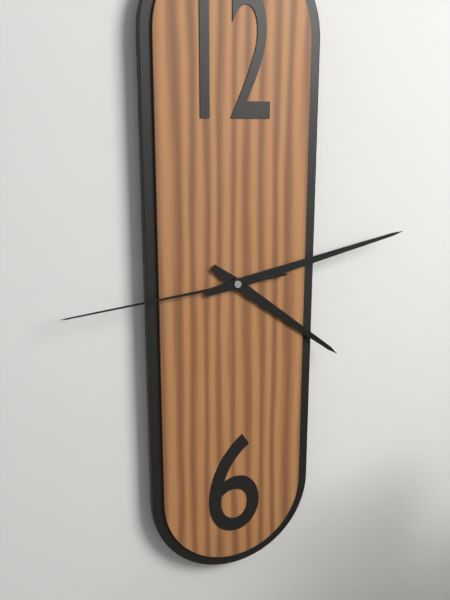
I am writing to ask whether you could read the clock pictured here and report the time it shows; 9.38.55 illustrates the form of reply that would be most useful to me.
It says 4.13.44
